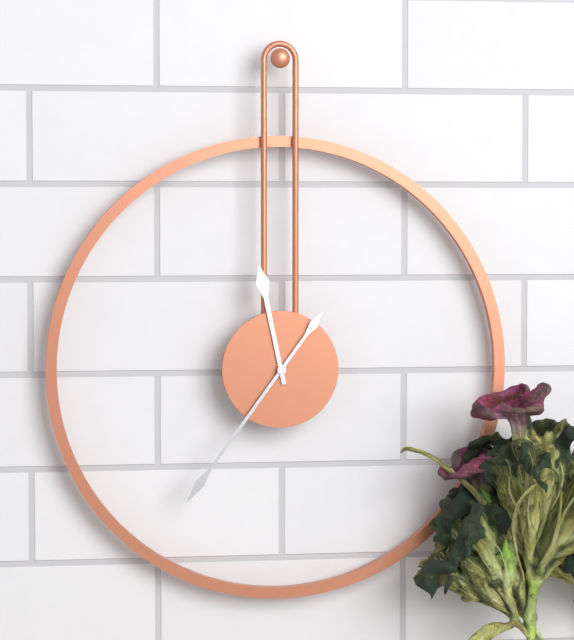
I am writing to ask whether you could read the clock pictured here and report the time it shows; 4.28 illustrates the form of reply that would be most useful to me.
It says 11.36
